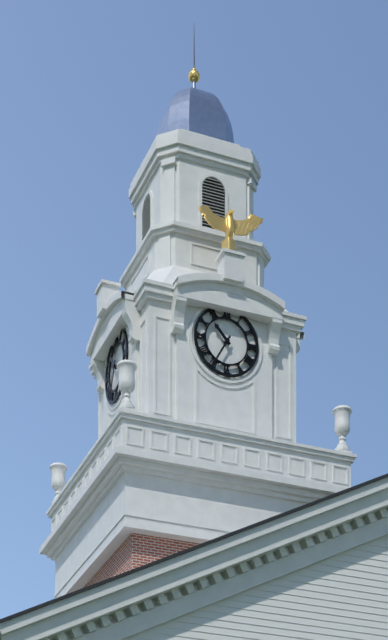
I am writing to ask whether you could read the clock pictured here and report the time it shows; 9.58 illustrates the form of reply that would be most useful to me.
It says 10.35
